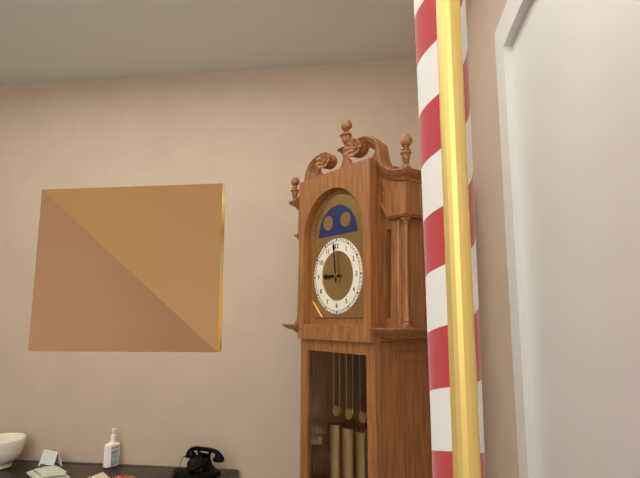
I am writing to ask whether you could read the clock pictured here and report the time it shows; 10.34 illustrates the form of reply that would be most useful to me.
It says 8.59
